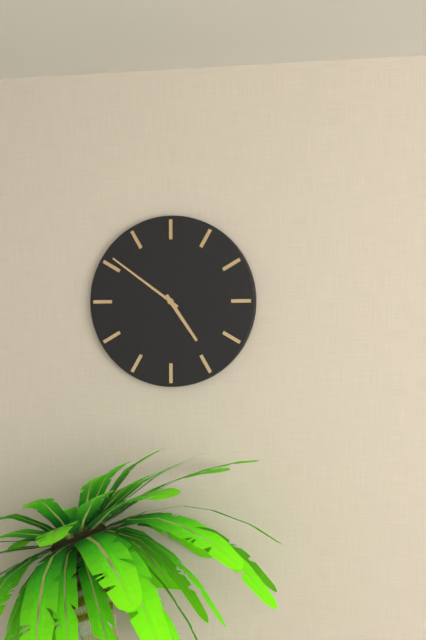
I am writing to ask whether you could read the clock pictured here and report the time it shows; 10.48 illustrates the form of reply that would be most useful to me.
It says 4.51
